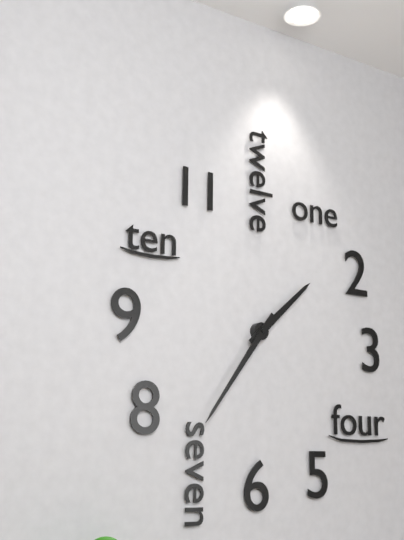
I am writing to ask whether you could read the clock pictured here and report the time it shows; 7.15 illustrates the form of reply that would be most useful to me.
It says 1.36
